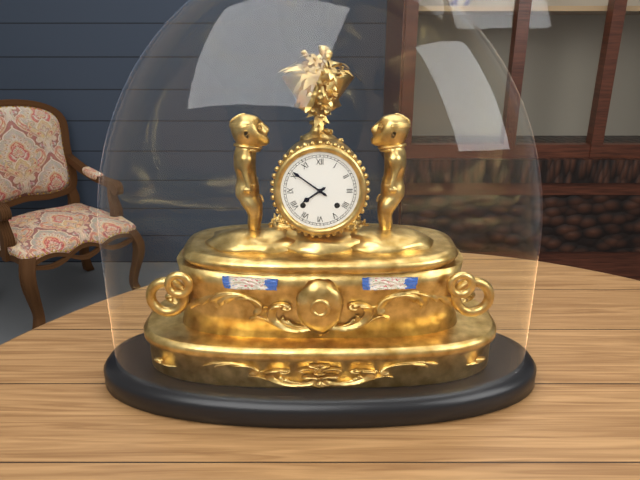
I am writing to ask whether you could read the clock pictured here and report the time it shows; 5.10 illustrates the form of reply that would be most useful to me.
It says 7.51
